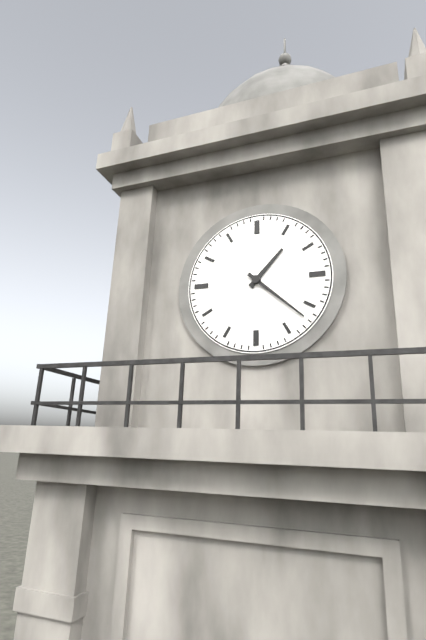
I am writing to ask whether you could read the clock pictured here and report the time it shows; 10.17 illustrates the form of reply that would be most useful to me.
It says 1.22
